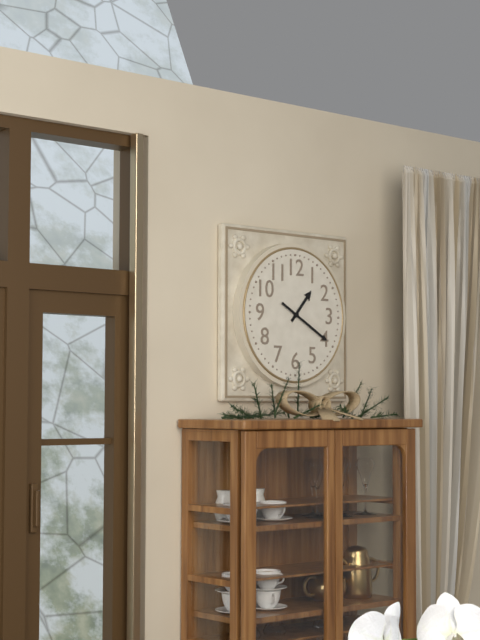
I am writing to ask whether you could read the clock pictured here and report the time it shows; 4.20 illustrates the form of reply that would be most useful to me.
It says 1.20
